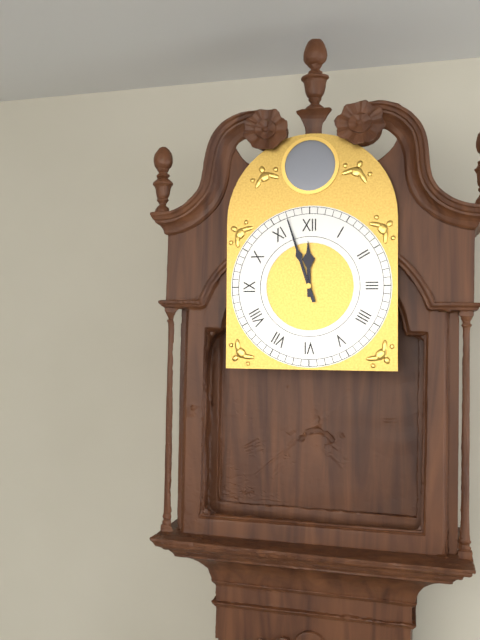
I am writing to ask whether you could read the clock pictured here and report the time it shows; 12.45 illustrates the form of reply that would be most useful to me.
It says 11.57
